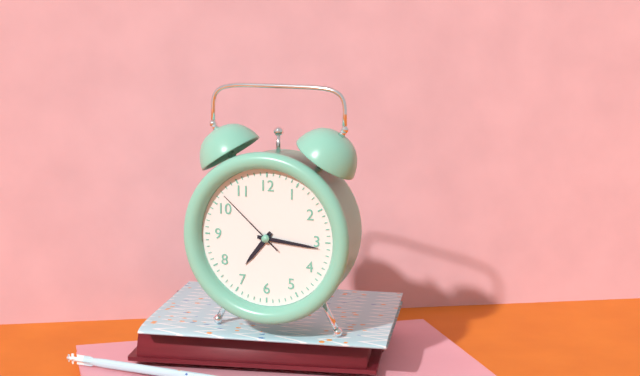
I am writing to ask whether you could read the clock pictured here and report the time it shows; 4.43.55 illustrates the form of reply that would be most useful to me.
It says 7.16.52
